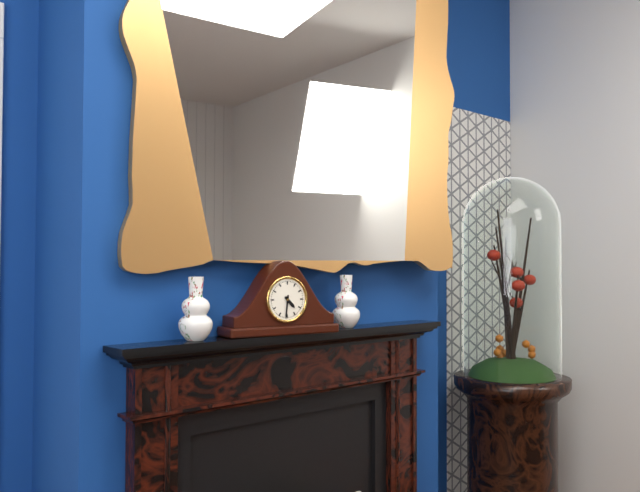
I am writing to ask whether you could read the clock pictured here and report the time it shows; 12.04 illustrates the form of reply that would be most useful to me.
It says 4.31
